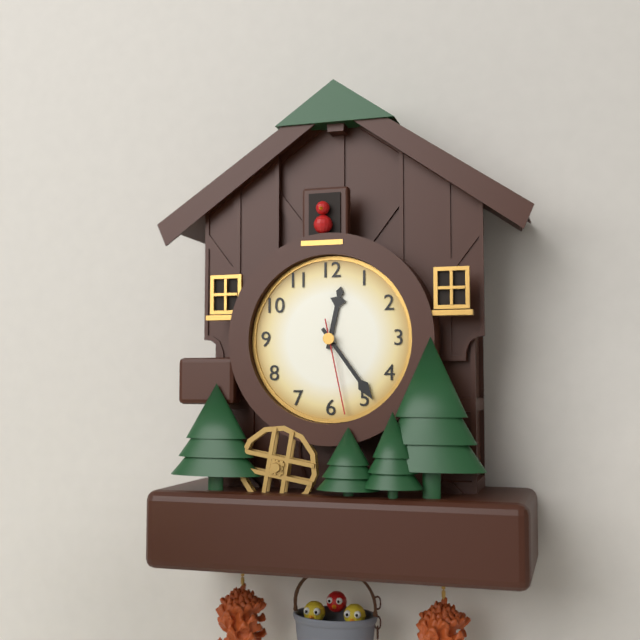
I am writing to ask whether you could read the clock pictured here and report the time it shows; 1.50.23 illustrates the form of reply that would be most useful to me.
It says 12.24.28
